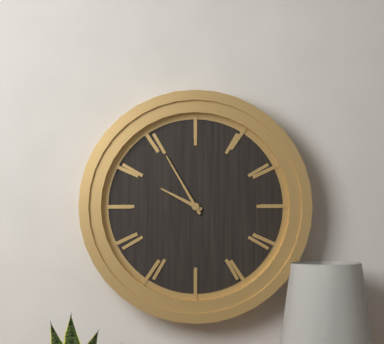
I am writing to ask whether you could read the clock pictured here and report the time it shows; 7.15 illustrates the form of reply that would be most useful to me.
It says 9.55
